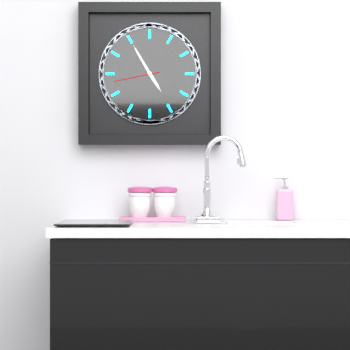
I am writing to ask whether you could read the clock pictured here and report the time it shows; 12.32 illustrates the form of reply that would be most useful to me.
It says 4.55
